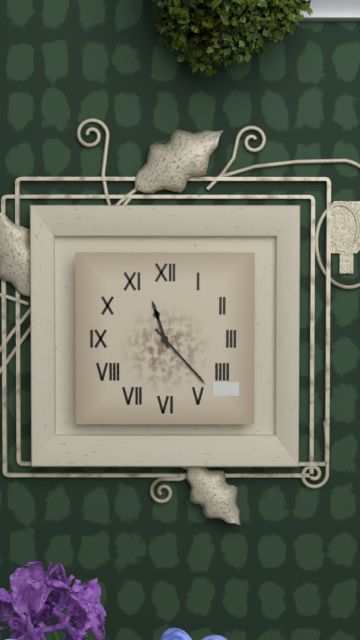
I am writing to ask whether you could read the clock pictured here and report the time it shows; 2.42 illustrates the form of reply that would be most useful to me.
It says 11.23
